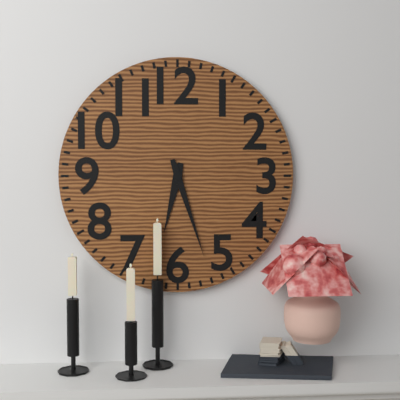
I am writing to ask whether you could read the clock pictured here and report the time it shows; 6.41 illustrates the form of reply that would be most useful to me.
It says 6.27
